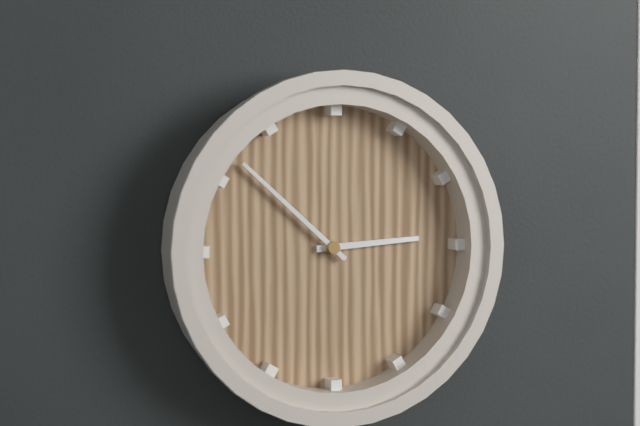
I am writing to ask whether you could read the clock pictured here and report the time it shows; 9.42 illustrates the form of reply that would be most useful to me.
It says 2.52
